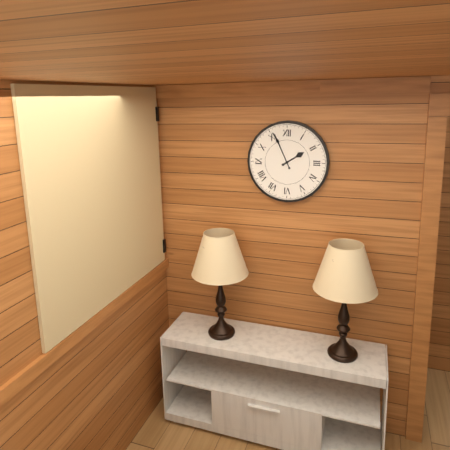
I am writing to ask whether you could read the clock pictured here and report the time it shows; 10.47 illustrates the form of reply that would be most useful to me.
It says 1.56
